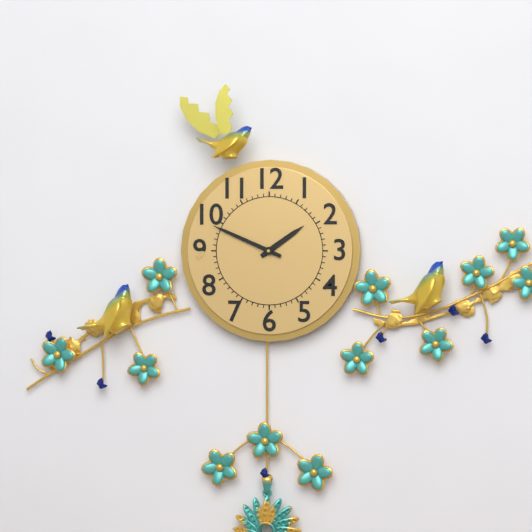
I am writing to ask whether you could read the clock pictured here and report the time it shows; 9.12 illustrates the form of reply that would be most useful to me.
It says 1.49
